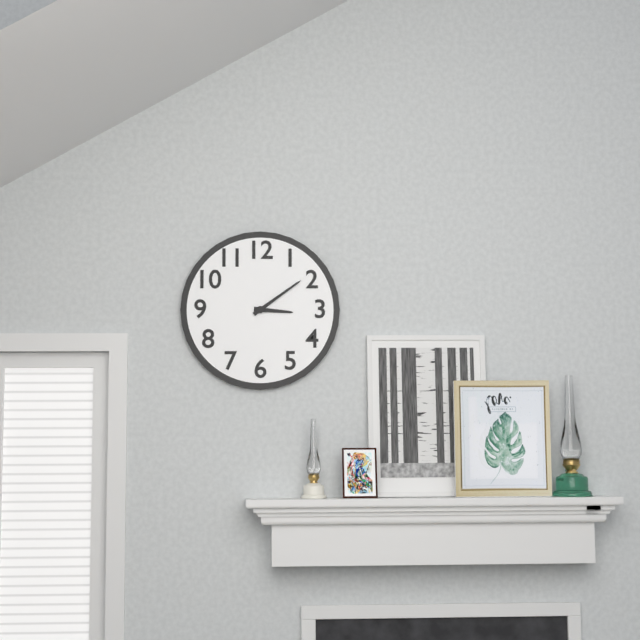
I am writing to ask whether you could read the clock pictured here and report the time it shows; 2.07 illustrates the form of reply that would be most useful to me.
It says 3.09
